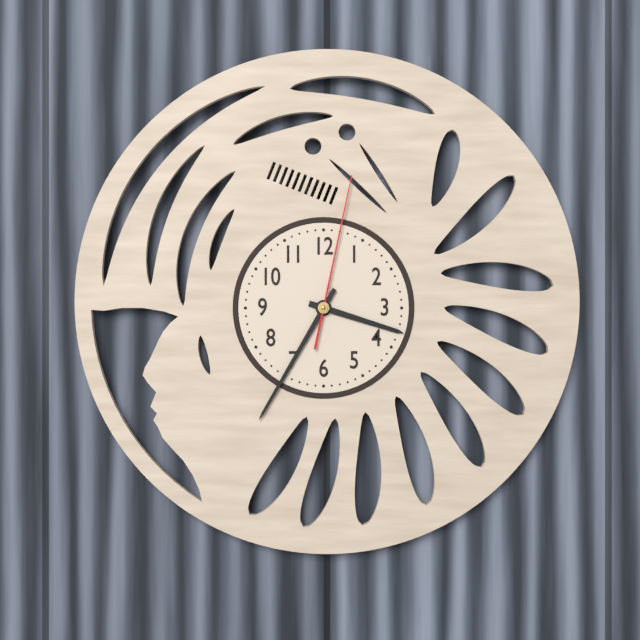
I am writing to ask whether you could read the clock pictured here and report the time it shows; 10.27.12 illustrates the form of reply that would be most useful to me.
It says 3.35.02
